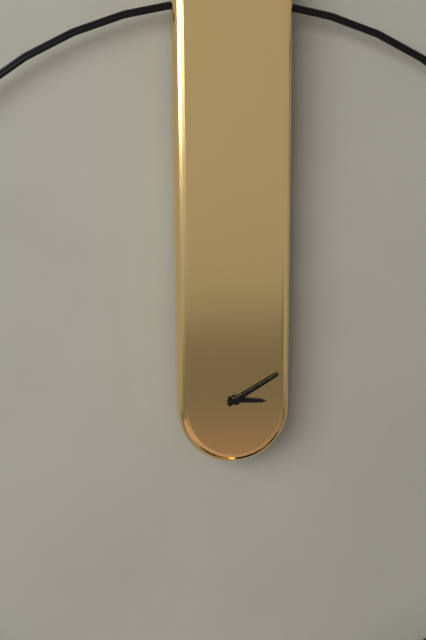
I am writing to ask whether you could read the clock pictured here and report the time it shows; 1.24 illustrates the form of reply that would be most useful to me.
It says 3.10
